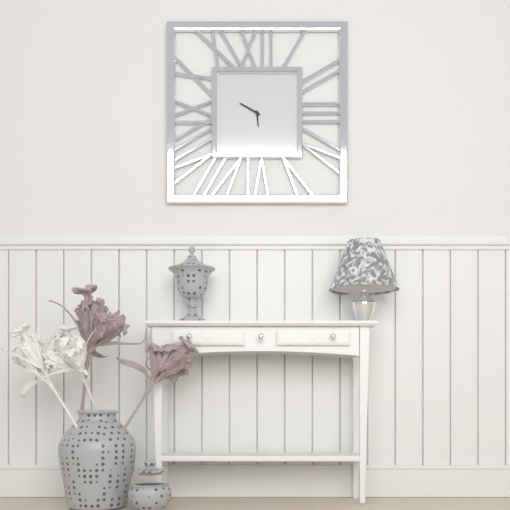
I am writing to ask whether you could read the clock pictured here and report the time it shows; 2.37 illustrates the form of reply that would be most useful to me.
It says 5.50
